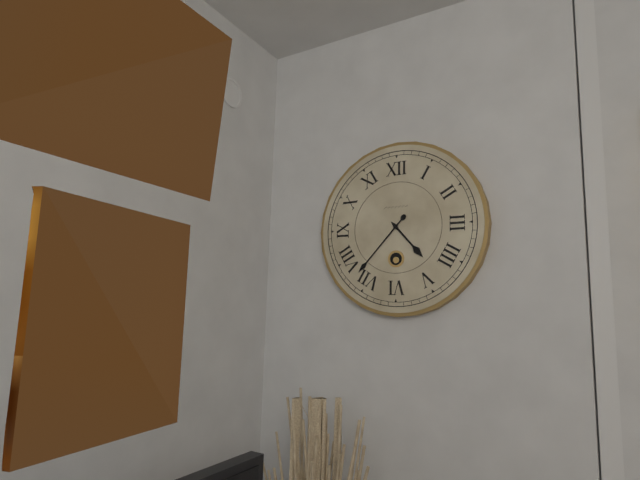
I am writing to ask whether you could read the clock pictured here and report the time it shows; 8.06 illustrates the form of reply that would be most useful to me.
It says 4.37
